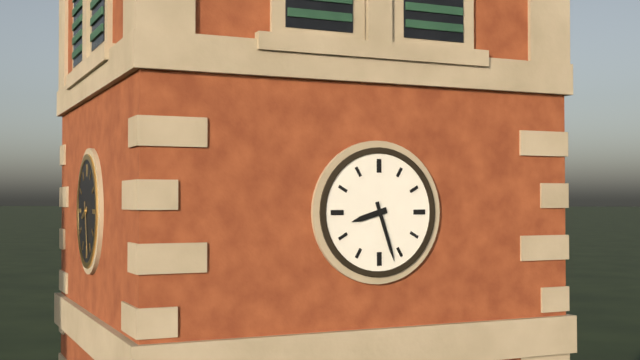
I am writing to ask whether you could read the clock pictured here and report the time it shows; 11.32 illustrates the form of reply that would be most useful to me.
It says 8.27
